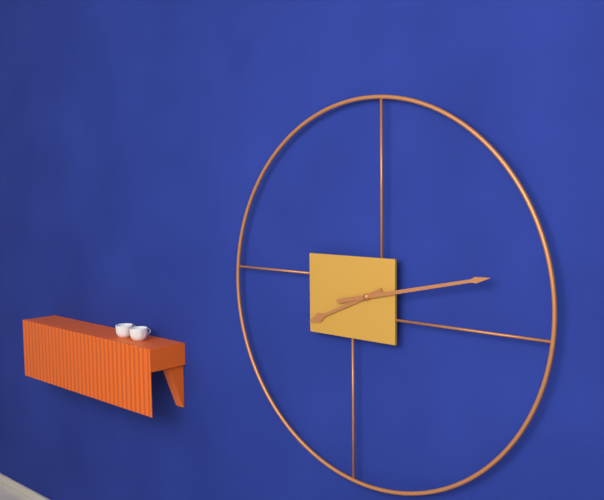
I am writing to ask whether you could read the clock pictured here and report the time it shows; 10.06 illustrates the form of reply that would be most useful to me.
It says 8.13
